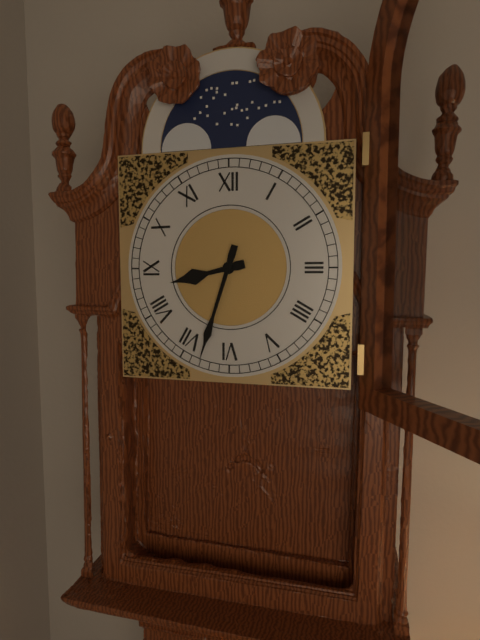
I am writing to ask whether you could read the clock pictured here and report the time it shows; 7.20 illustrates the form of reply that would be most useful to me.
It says 8.33
